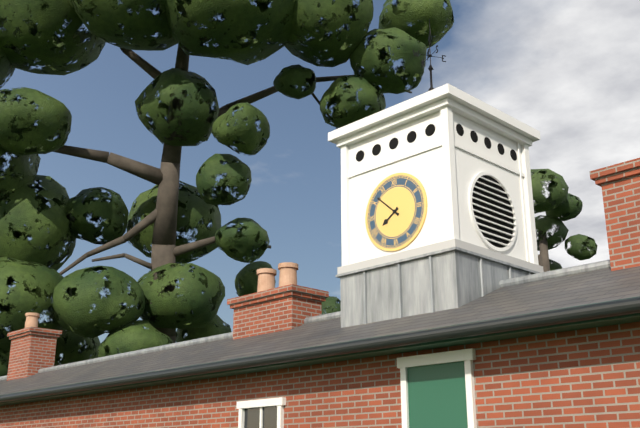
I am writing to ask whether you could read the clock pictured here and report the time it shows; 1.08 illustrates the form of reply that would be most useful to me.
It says 7.52
